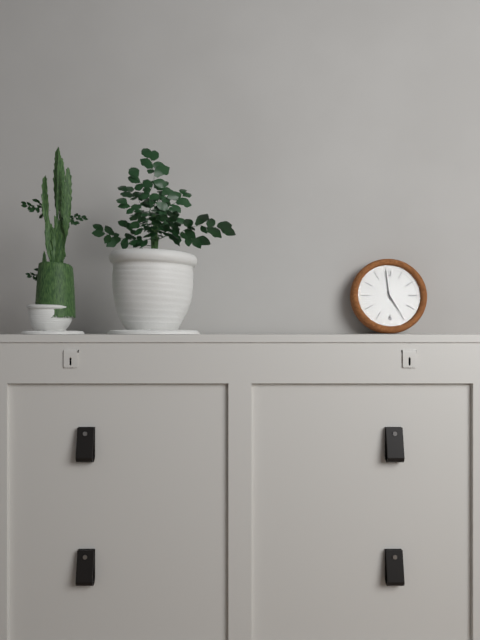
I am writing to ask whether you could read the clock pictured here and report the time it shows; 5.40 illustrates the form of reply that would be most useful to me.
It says 4.59
